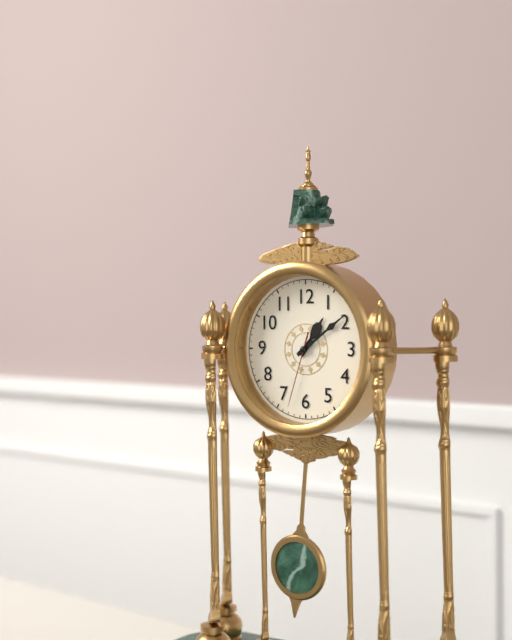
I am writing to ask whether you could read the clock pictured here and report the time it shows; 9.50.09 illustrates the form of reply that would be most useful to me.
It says 1.09.33
